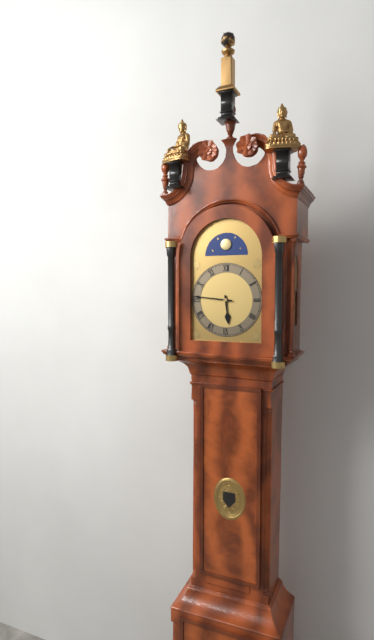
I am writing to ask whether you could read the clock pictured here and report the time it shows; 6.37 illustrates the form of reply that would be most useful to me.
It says 5.46
